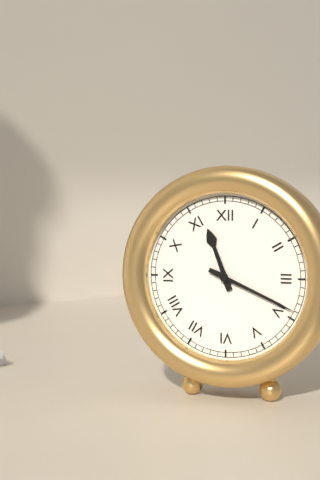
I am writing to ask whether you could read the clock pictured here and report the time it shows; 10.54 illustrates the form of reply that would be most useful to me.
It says 11.19
